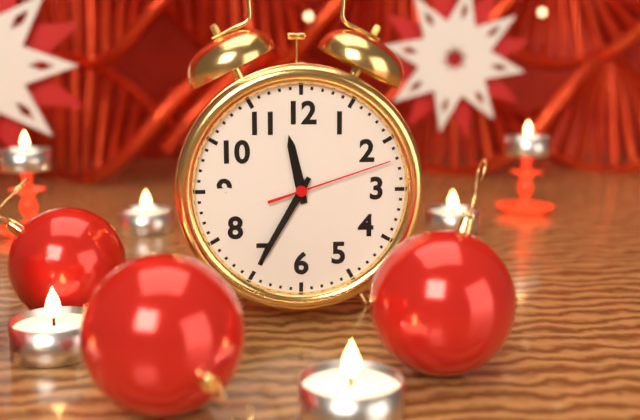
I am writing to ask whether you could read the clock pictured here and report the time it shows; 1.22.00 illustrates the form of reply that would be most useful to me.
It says 11.35.12
